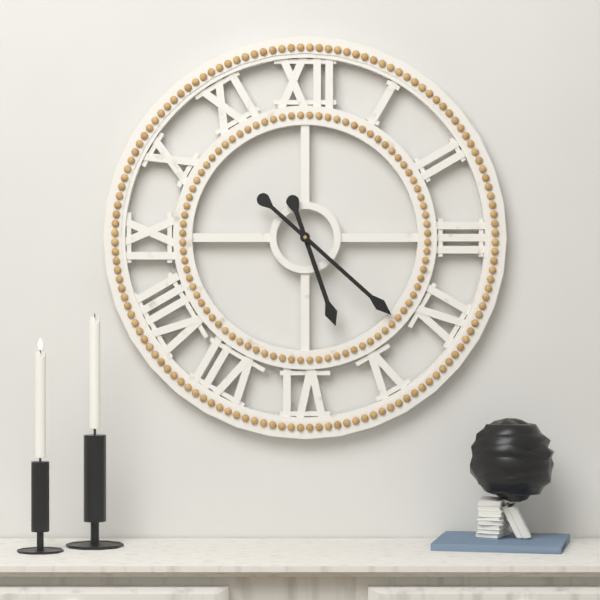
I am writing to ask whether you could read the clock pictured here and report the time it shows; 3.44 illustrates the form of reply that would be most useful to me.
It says 5.22
